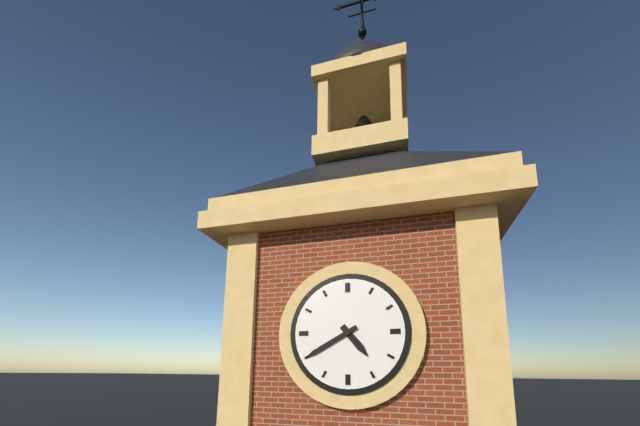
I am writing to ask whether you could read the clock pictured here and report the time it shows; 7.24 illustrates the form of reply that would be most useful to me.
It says 4.40
